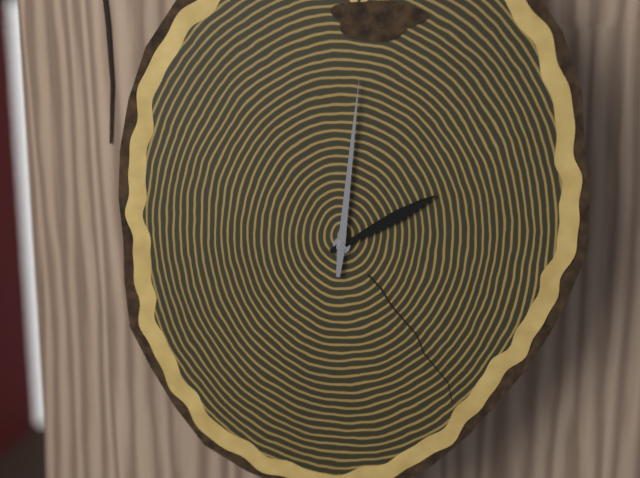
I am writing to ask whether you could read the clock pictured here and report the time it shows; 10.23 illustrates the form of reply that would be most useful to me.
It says 2.01
